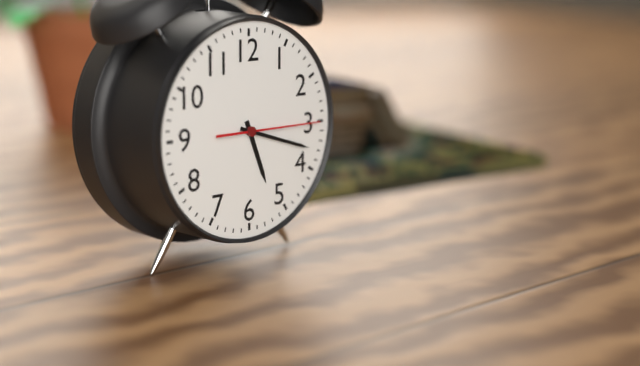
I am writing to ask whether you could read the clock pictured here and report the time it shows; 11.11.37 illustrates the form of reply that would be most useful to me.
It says 5.18.15
